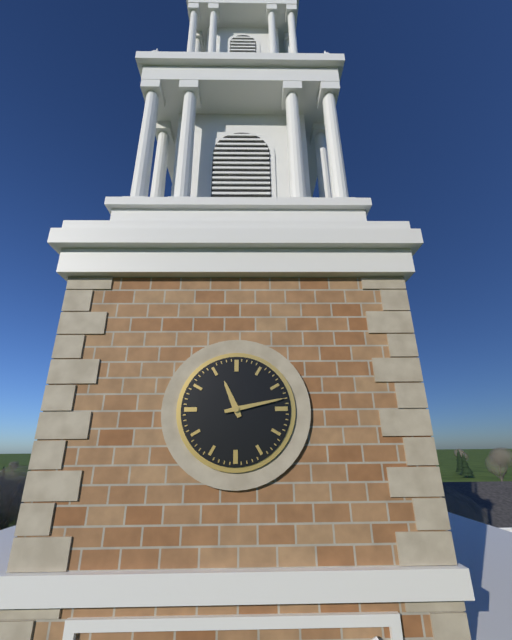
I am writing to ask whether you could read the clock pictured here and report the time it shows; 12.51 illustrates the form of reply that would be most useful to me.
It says 11.13
